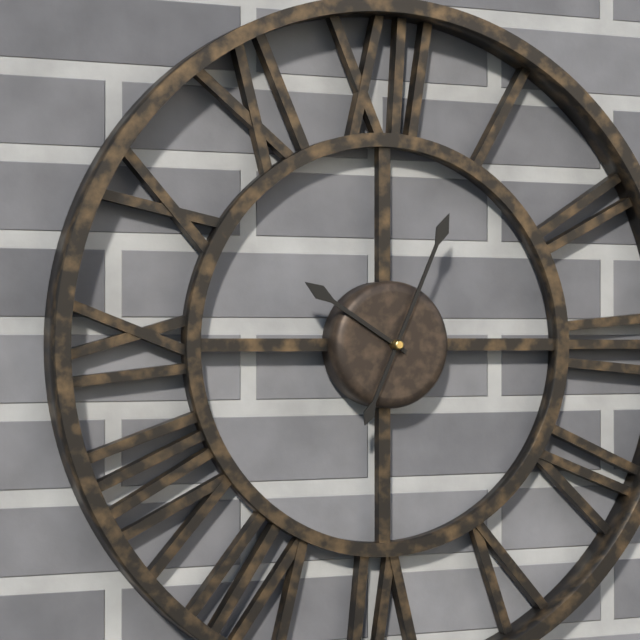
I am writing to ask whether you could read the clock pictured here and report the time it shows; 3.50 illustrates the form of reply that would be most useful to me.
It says 10.04
